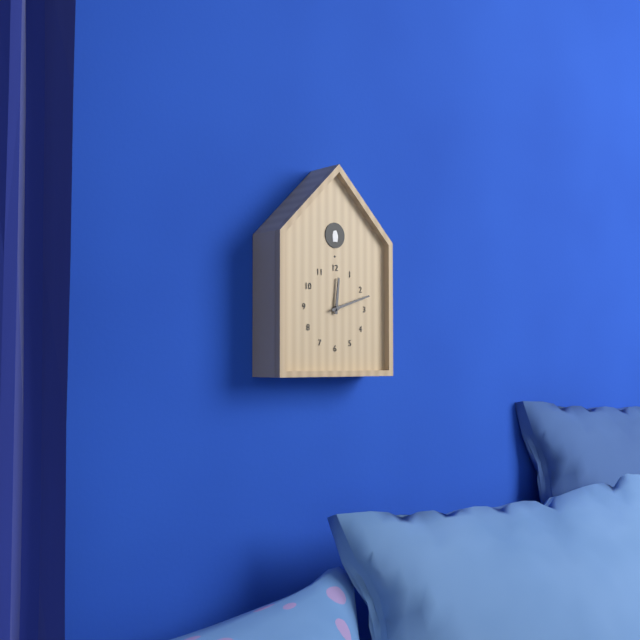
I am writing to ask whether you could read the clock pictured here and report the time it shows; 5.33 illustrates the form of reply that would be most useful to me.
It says 12.12
